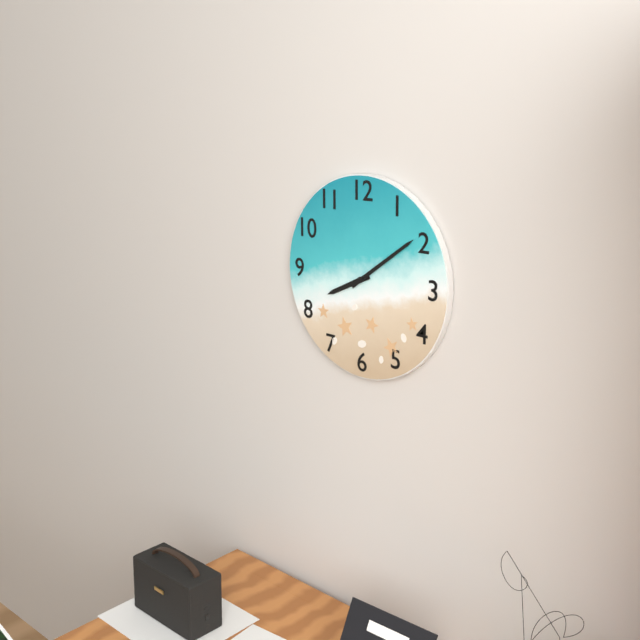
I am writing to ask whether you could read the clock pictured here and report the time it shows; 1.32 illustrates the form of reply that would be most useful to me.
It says 8.09
